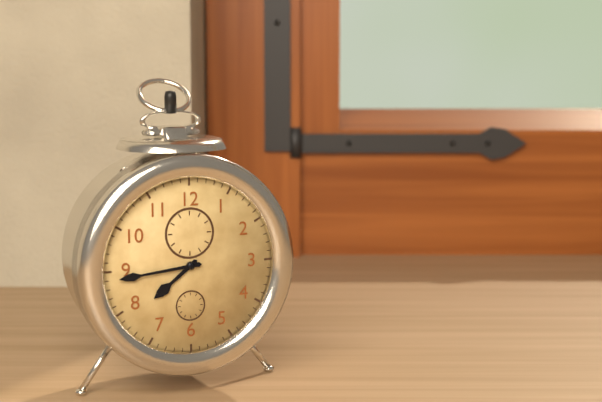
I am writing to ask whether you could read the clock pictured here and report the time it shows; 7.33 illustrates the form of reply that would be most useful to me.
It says 7.44
